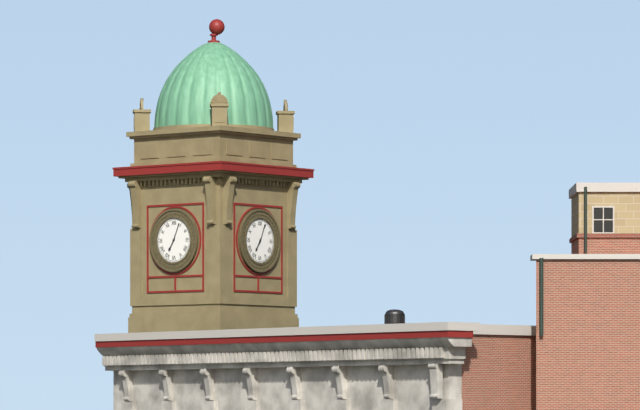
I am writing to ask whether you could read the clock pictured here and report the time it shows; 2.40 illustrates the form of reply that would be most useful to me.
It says 7.04
